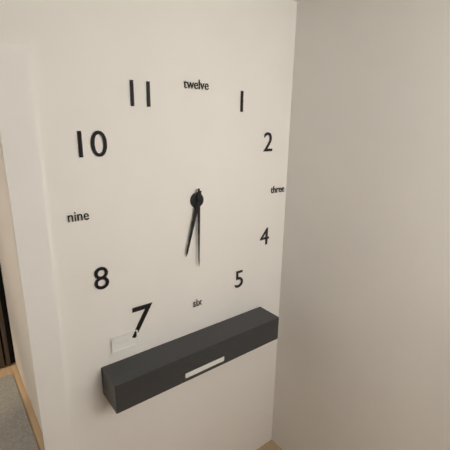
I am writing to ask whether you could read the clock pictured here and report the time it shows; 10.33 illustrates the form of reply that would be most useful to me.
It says 6.30
